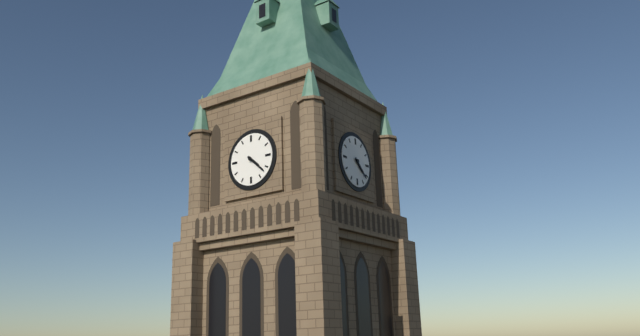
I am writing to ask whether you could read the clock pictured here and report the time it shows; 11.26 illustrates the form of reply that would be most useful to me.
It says 4.22
